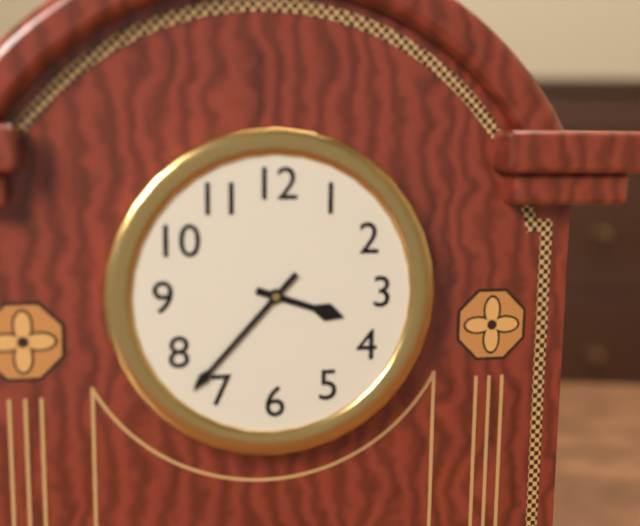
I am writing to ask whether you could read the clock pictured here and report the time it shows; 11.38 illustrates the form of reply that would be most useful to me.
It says 3.37
